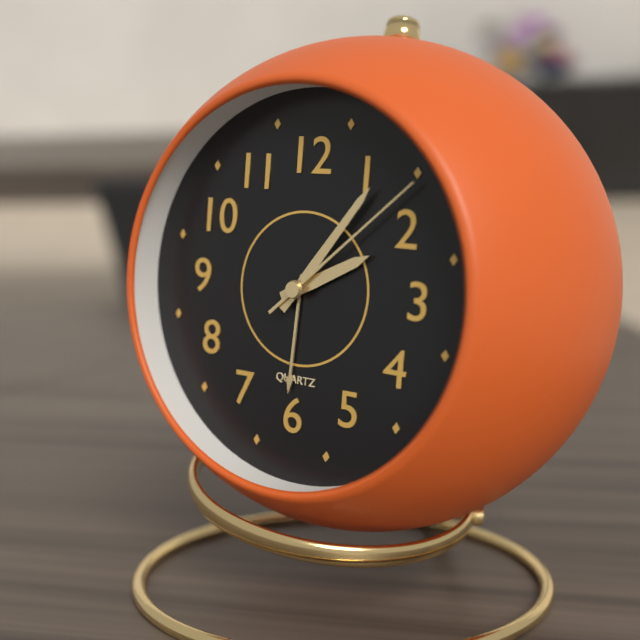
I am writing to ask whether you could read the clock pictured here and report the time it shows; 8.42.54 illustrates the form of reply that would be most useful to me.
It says 2.06.08
